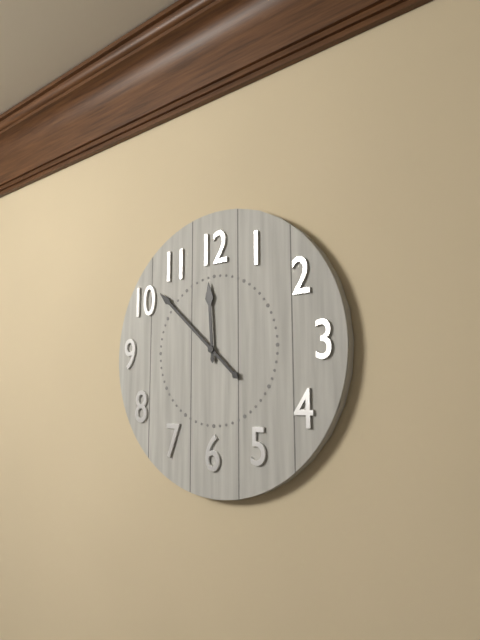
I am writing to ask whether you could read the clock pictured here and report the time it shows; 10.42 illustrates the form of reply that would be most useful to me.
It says 11.52
